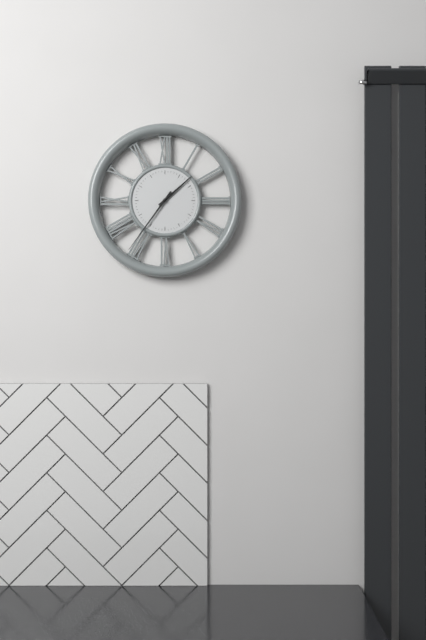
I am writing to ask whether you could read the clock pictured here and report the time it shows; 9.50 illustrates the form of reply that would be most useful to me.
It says 1.36
